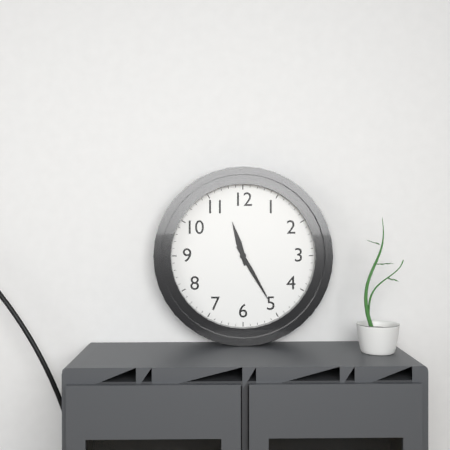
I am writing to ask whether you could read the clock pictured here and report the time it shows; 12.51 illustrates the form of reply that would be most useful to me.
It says 11.25
